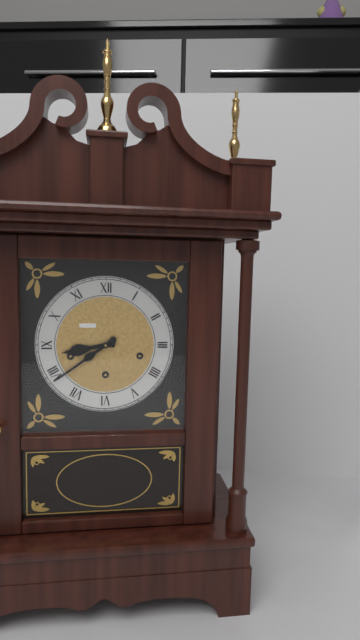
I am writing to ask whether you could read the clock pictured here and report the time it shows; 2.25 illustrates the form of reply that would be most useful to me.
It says 8.39
